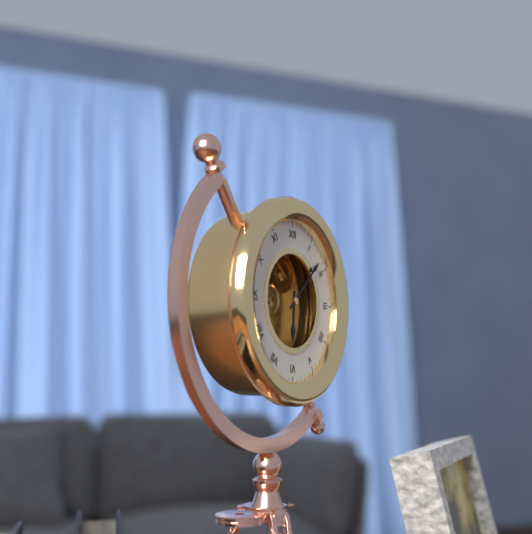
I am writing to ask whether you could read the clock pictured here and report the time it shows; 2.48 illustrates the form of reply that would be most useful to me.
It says 6.08
